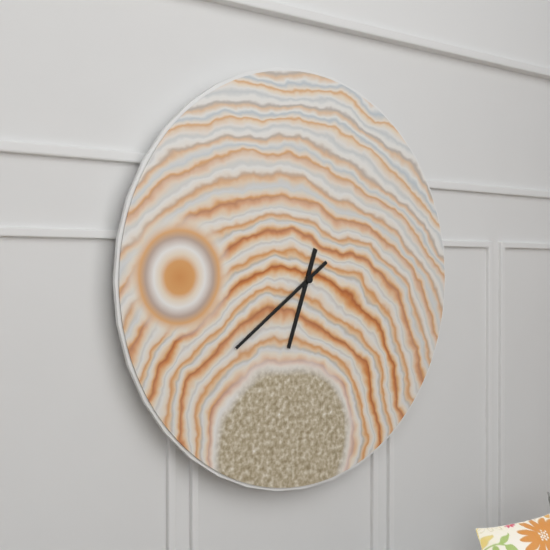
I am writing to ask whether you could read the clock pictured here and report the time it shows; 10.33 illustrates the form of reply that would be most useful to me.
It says 6.39
